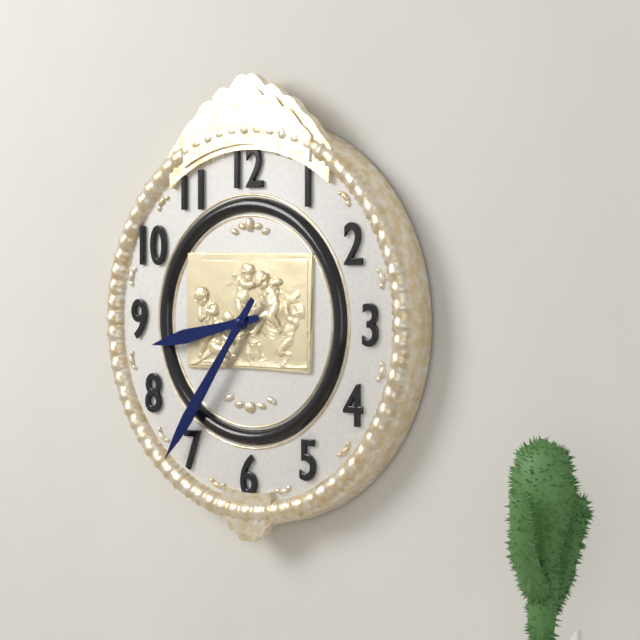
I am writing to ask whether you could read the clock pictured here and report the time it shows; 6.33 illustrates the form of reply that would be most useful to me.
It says 8.36
